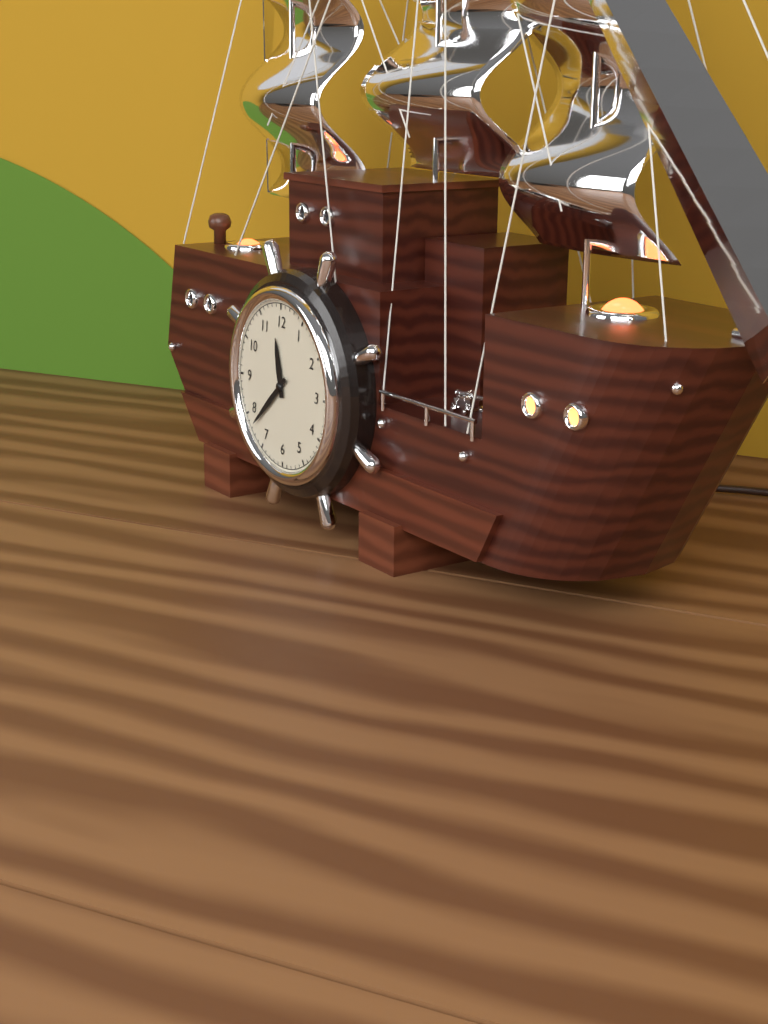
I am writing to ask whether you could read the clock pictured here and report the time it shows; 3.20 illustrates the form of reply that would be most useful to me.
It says 11.38
